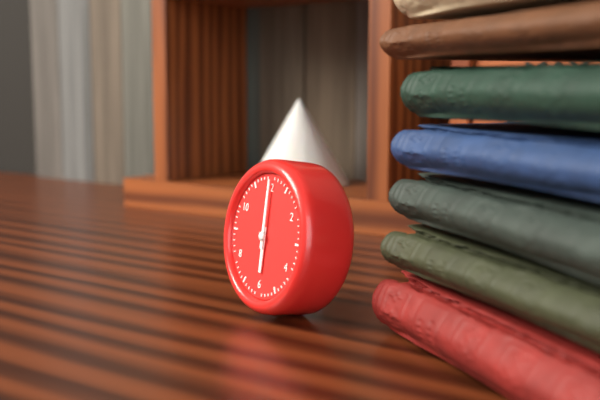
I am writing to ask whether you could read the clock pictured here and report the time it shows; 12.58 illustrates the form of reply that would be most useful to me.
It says 6.00
